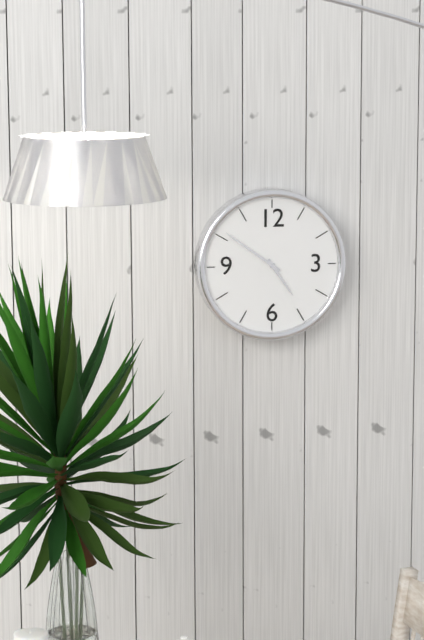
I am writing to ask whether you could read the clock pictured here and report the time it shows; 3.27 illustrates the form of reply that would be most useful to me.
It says 4.51
